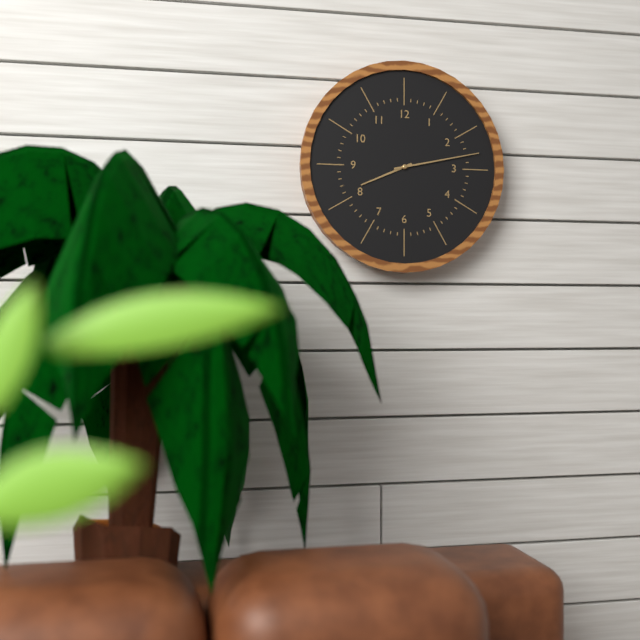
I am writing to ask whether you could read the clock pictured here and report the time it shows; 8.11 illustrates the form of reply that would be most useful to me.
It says 8.13
